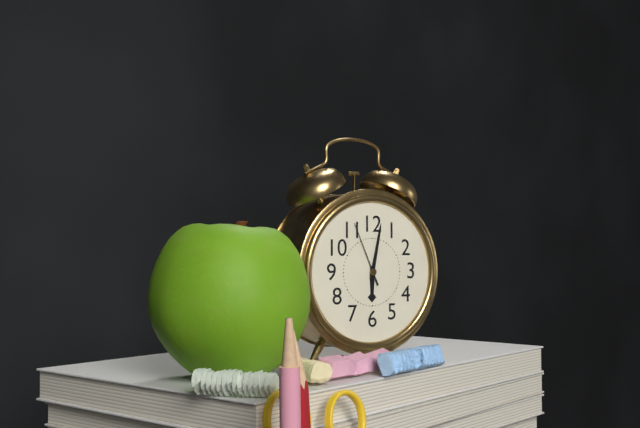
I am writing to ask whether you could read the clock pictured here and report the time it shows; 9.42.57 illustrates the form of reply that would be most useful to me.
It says 6.02.56
